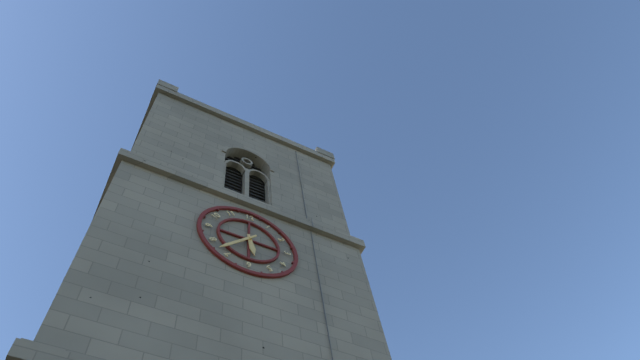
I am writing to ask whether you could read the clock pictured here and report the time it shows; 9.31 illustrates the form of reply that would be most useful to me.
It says 5.37
